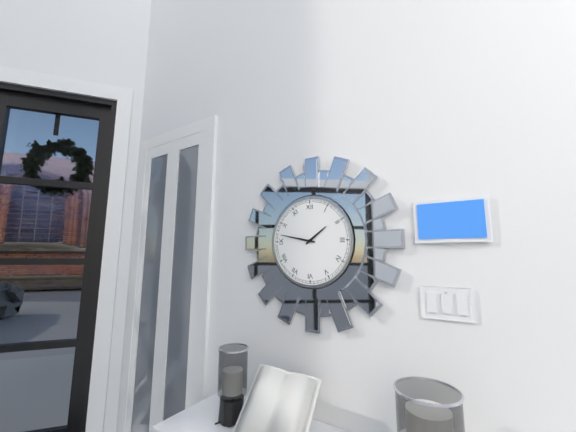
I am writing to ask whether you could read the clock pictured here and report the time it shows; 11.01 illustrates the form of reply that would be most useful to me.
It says 1.47
